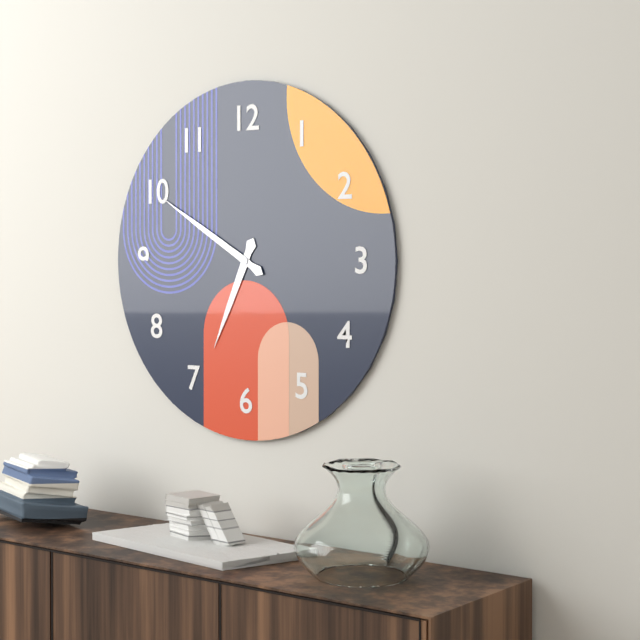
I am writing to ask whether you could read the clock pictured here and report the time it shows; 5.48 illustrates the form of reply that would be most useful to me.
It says 6.50
